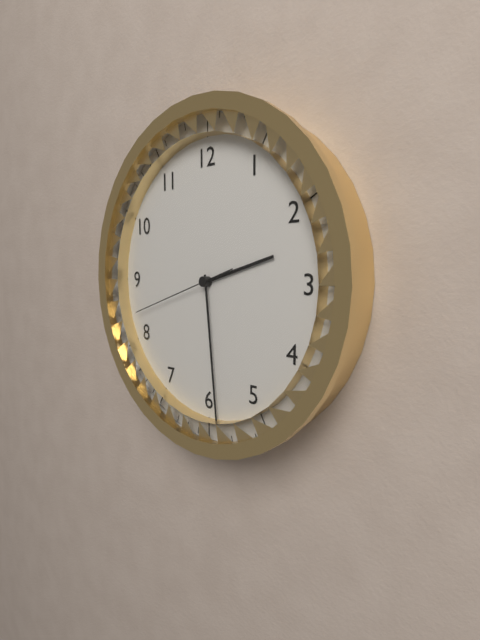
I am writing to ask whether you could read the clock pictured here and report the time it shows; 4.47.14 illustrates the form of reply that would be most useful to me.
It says 2.29.42
